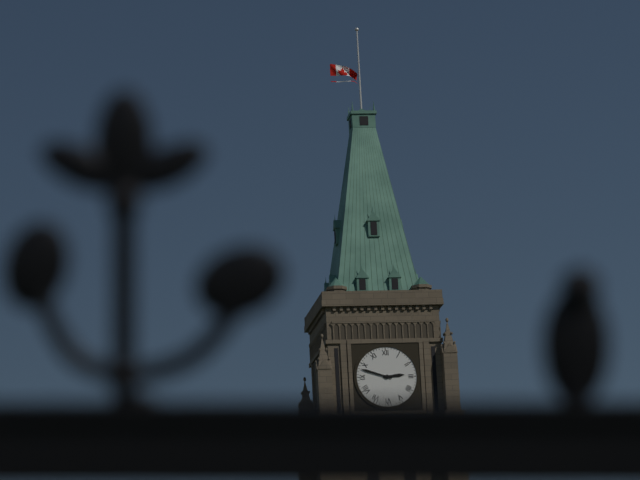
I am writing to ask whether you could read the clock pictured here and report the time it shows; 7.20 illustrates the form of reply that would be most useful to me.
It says 2.48
